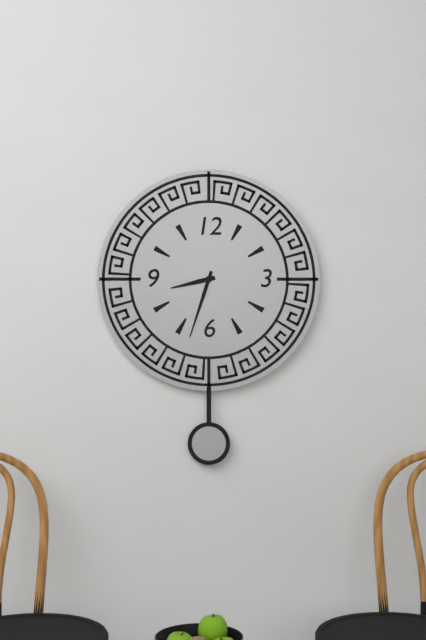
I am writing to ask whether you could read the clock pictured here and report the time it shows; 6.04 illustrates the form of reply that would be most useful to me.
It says 8.33
